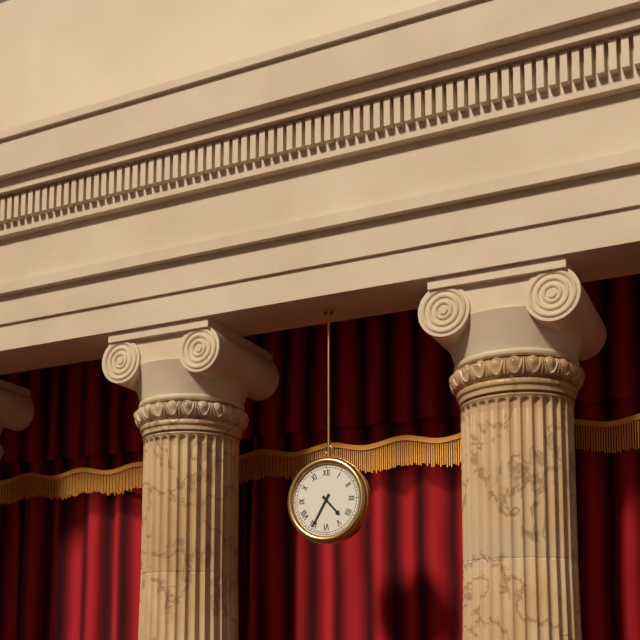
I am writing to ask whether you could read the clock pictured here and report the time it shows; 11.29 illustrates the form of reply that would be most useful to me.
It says 4.35
